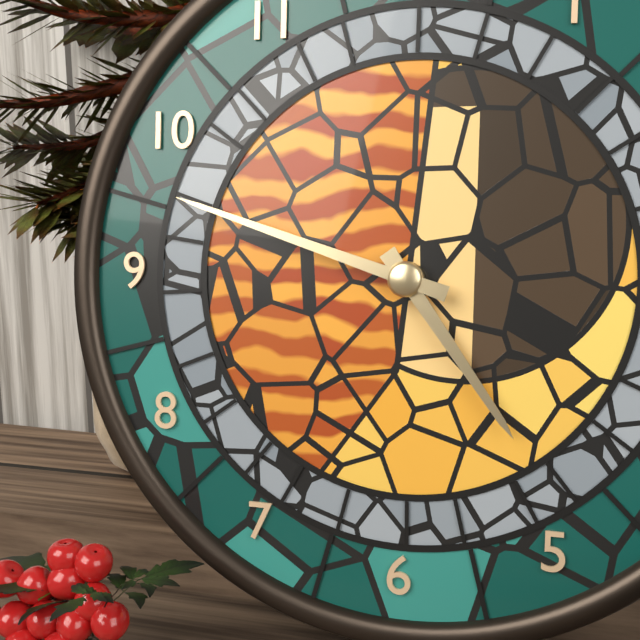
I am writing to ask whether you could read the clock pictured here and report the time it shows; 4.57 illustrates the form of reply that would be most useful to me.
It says 4.48
